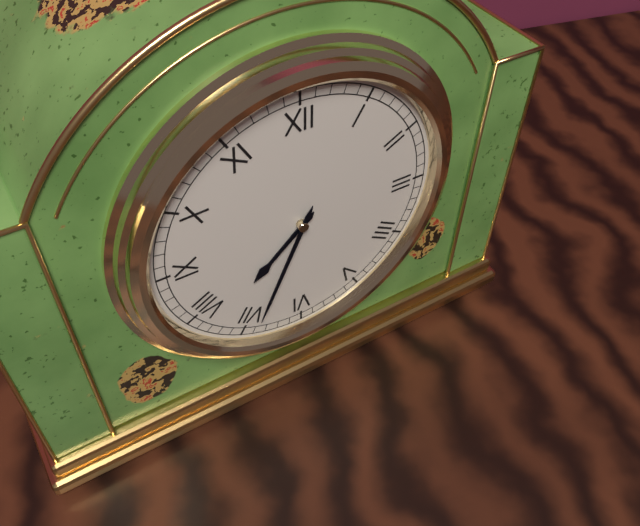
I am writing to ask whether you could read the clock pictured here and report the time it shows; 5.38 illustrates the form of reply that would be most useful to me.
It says 7.34
